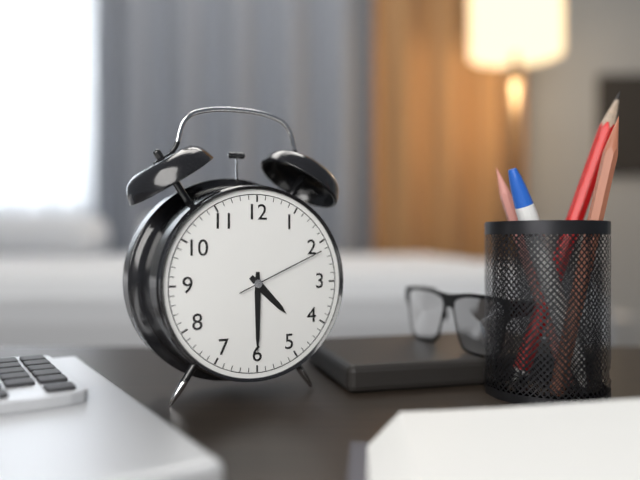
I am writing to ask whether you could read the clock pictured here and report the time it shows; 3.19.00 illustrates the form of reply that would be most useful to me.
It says 4.30.11
